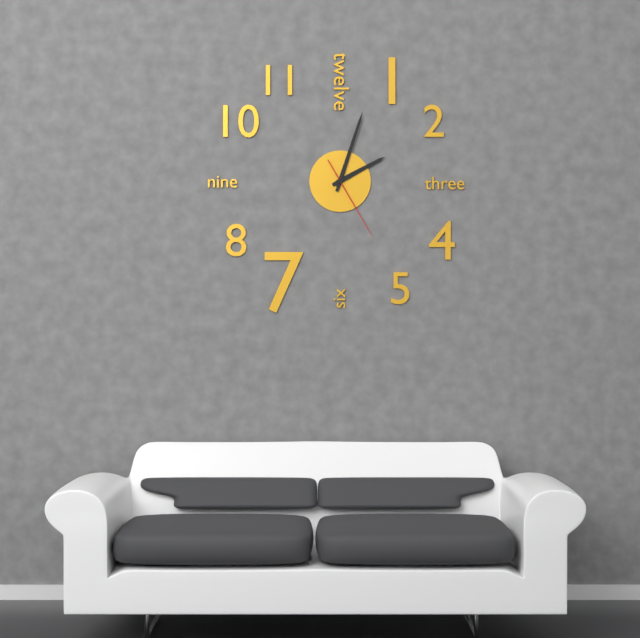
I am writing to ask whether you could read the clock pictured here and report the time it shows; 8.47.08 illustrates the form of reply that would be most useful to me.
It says 2.03.25
